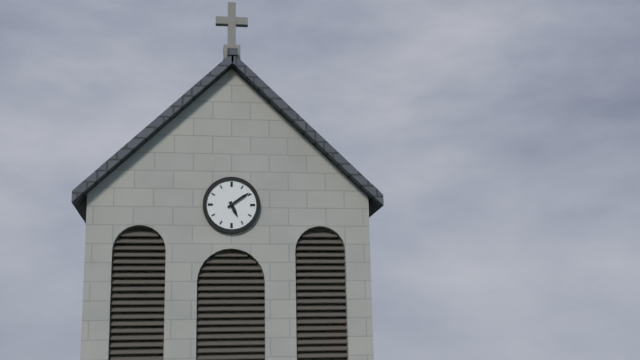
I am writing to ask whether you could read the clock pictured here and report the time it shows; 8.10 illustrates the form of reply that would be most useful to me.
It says 5.09
